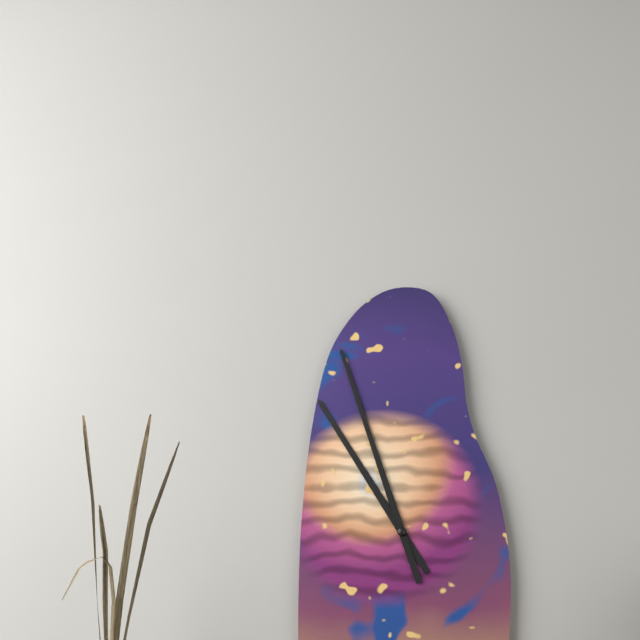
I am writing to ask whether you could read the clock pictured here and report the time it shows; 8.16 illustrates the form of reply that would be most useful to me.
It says 10.57
